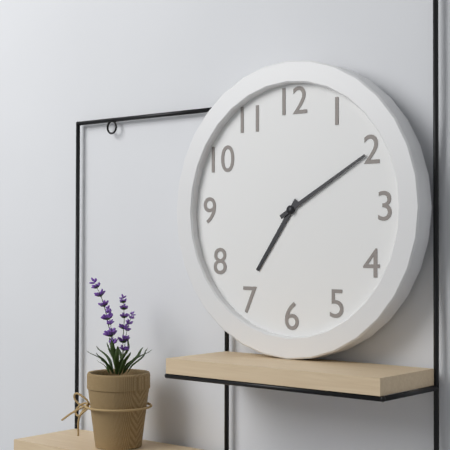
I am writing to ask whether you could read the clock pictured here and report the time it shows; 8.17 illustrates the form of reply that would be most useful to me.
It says 7.10
